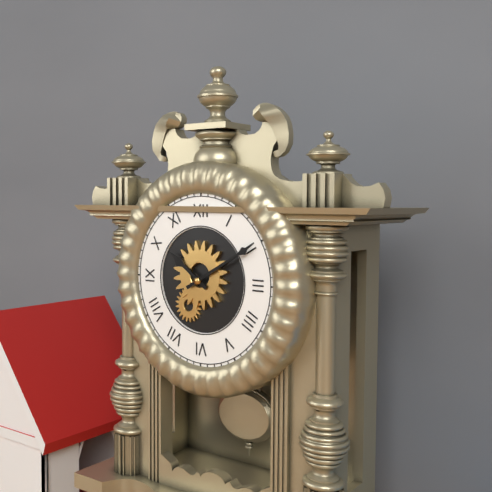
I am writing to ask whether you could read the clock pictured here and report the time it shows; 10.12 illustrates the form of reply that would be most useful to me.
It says 10.10
